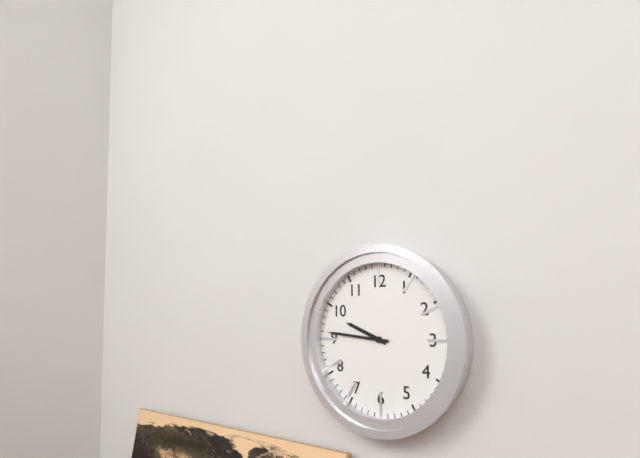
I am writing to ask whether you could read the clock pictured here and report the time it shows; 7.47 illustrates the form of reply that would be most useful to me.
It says 9.46
